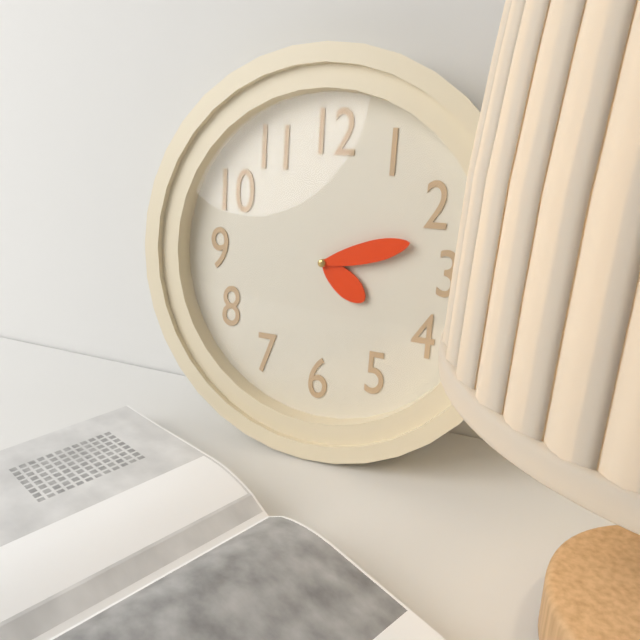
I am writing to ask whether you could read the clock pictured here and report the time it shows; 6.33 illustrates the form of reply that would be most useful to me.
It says 4.12
